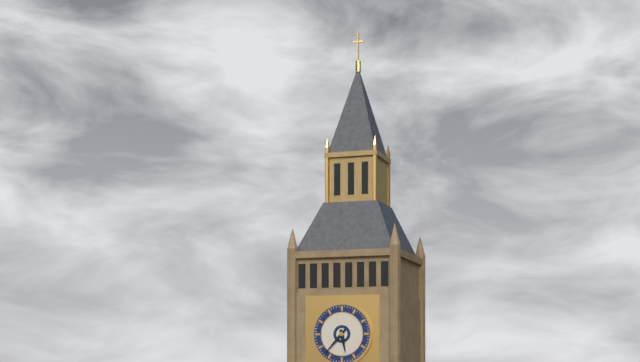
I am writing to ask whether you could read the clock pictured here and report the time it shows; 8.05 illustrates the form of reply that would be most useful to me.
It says 5.37
